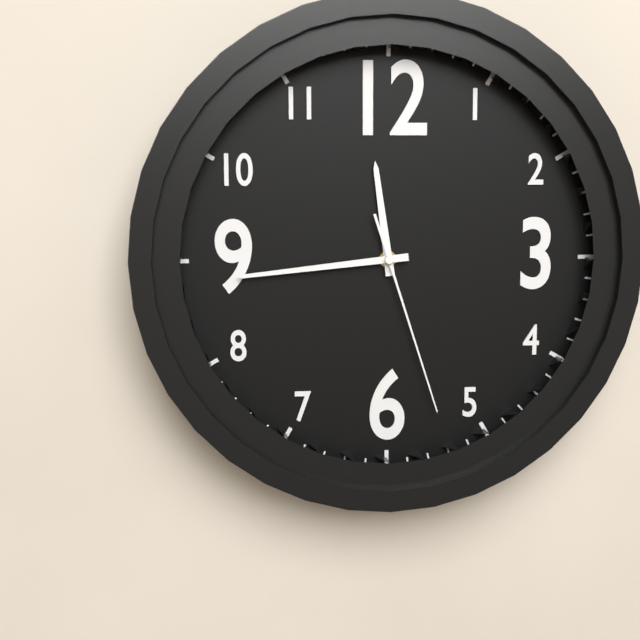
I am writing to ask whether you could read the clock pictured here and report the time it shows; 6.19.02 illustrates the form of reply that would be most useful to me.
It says 11.44.27
